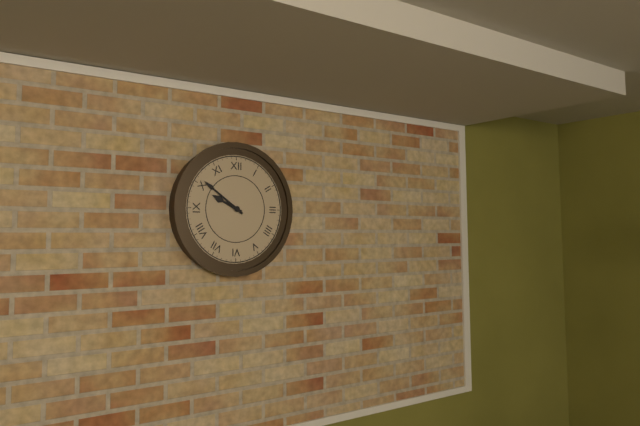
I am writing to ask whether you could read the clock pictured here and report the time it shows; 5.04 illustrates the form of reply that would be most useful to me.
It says 9.51
